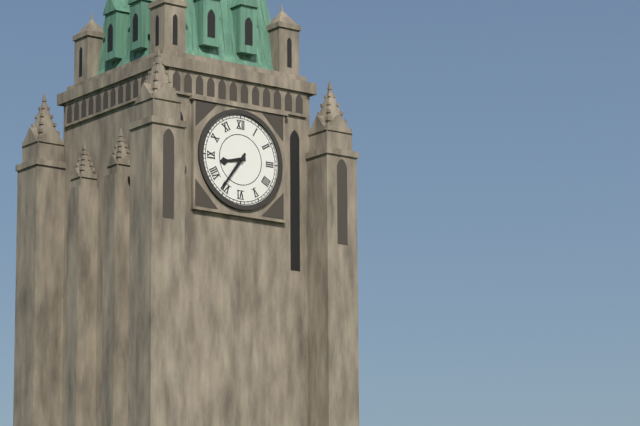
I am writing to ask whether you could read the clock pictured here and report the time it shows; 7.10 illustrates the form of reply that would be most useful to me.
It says 8.36
